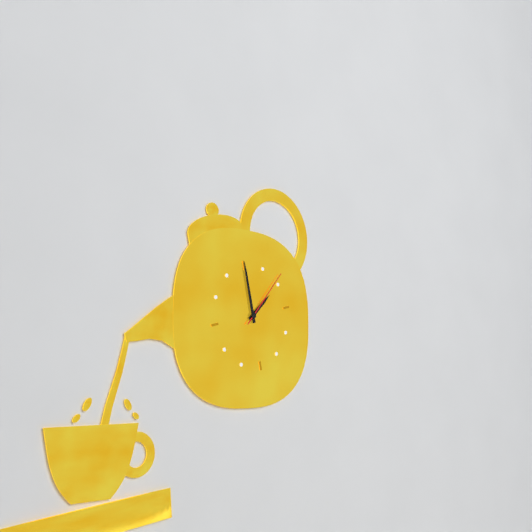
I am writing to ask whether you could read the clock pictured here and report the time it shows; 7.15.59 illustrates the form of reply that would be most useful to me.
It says 2.00.09
